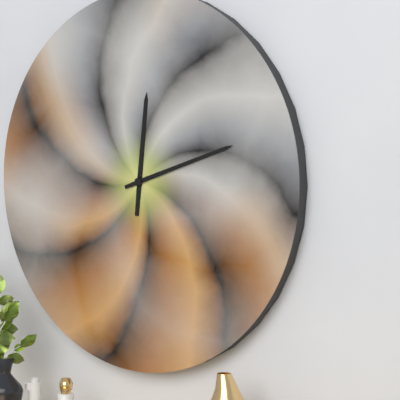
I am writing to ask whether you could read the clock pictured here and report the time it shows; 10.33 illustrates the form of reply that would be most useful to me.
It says 12.12
